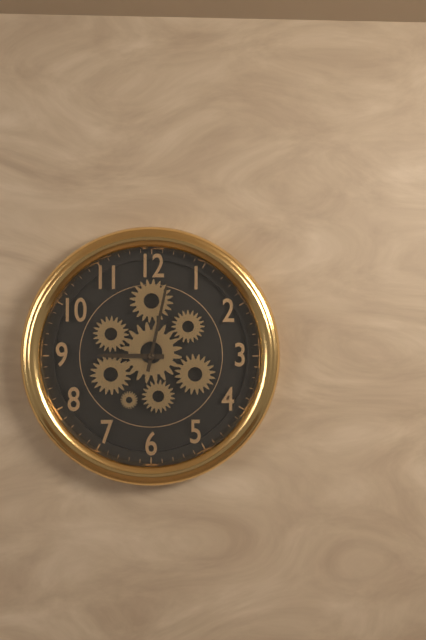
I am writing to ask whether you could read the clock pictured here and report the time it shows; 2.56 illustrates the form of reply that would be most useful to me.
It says 9.02
